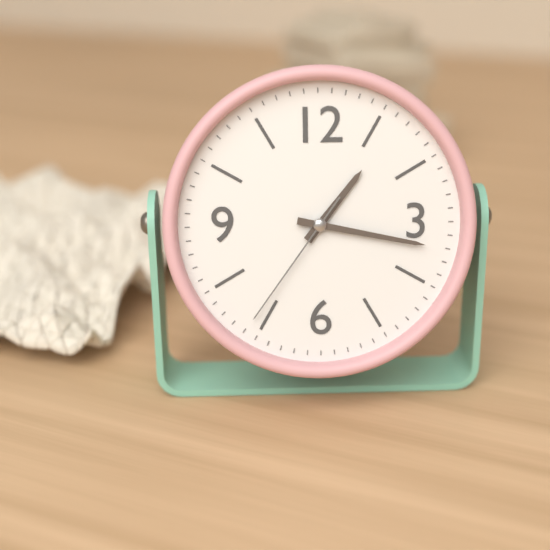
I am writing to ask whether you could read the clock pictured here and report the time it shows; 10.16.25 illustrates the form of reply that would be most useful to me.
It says 1.17.36
